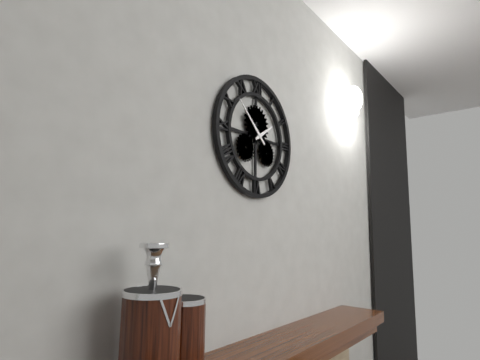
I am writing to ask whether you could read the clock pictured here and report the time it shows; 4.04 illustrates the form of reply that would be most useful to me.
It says 1.52
